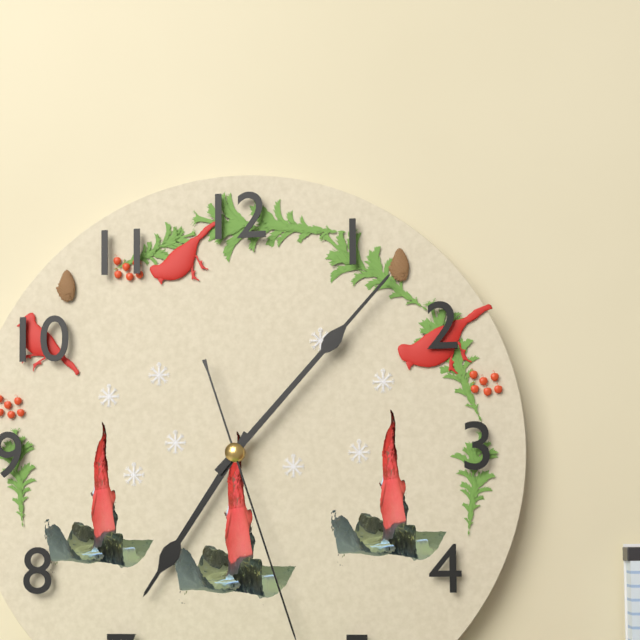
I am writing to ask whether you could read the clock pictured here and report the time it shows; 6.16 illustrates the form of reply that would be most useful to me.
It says 7.07
